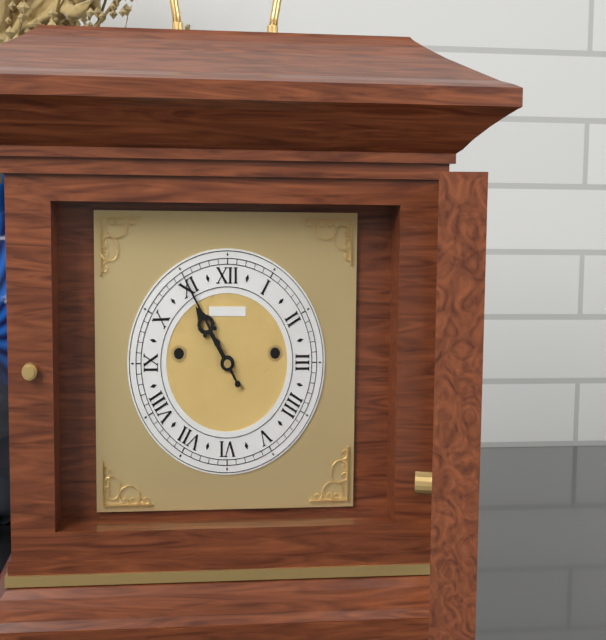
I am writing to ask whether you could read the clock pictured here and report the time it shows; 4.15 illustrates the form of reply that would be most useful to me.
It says 10.55
